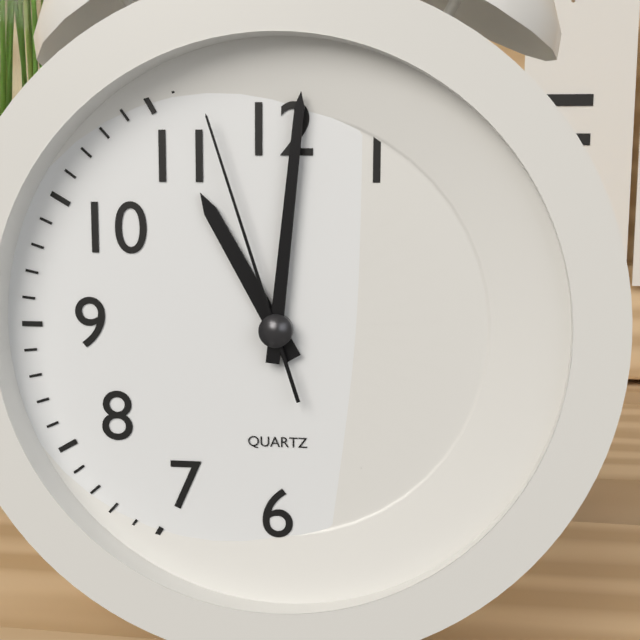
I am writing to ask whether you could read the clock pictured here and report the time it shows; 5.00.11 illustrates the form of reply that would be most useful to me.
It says 11.01.57
